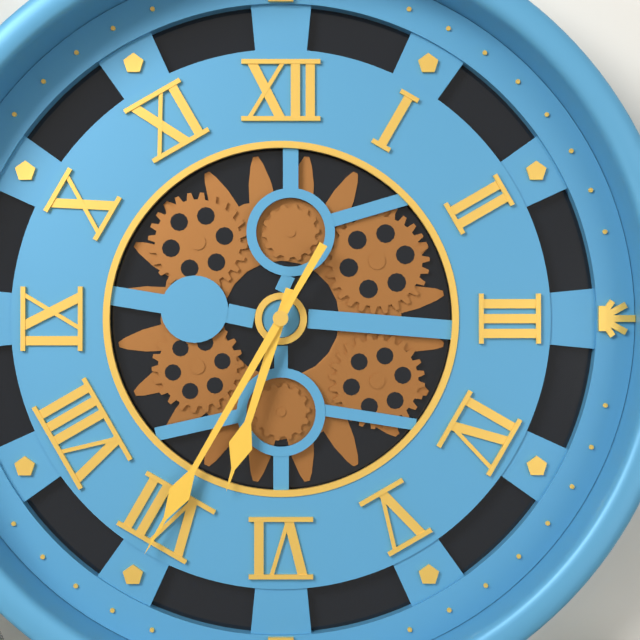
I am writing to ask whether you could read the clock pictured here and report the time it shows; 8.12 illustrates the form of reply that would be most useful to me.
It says 6.35
